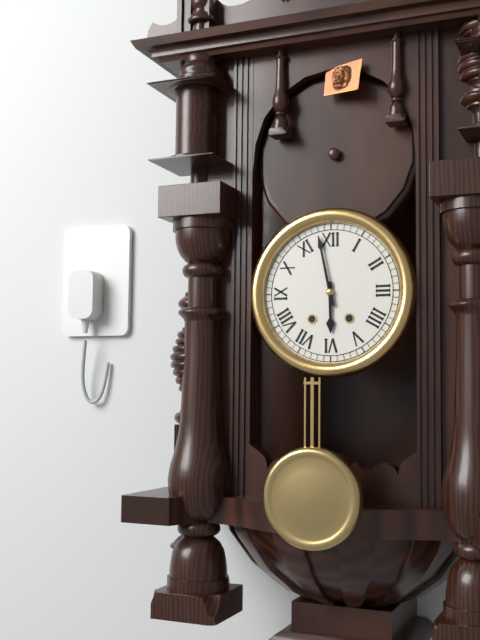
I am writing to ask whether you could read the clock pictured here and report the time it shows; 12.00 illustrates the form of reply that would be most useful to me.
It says 5.58
